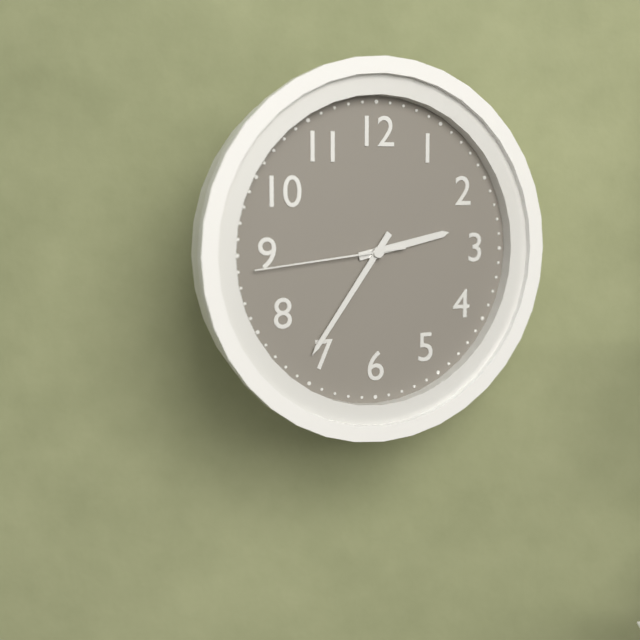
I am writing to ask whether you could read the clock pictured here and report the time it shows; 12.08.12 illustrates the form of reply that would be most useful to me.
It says 2.36.44
